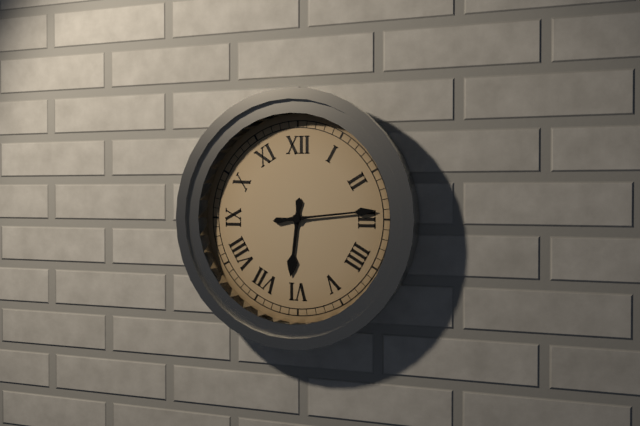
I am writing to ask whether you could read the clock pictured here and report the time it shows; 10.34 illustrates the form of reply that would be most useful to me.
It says 6.14
